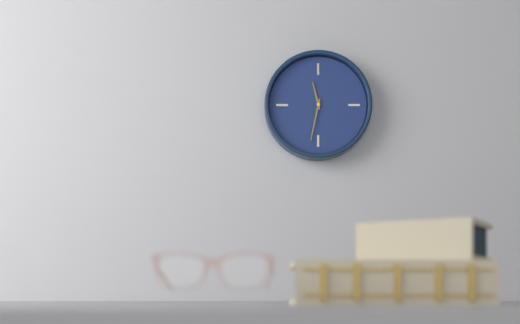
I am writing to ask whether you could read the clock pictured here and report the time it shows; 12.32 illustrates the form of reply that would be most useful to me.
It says 11.32
